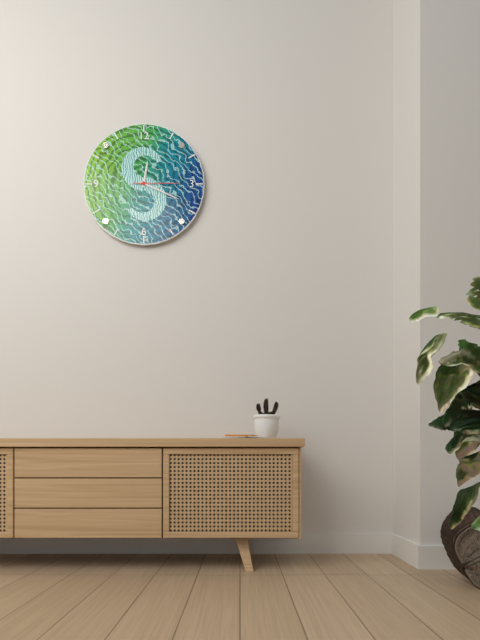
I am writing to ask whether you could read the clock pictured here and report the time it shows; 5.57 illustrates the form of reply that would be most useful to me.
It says 12.19
